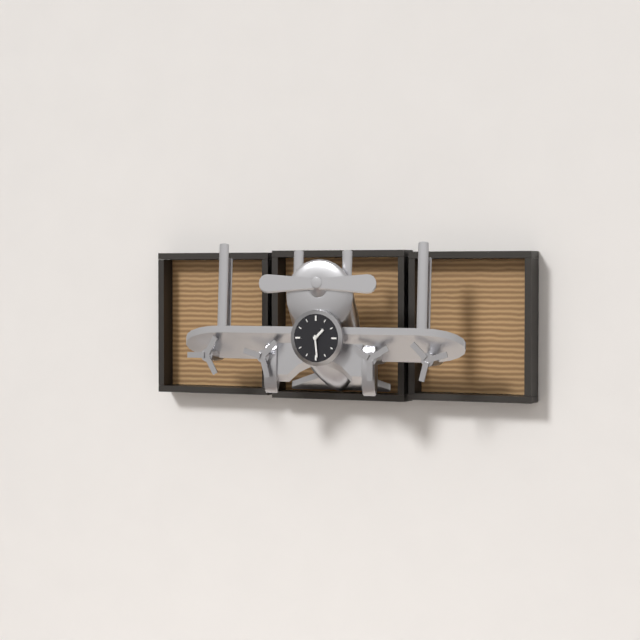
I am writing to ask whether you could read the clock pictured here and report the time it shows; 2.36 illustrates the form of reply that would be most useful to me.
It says 1.29
